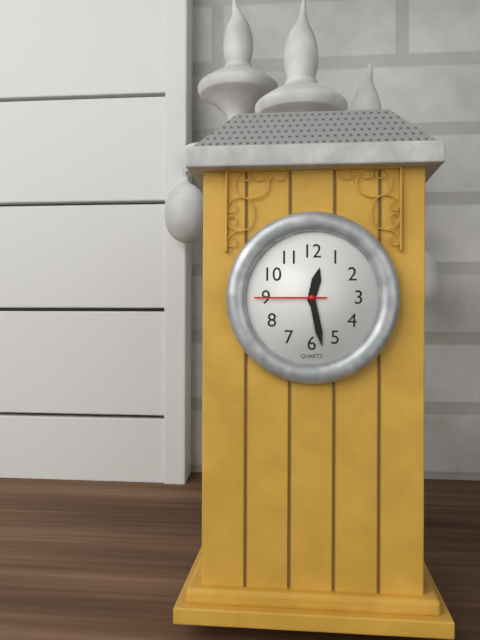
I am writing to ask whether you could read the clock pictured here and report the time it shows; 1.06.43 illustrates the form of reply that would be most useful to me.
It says 12.28.45
